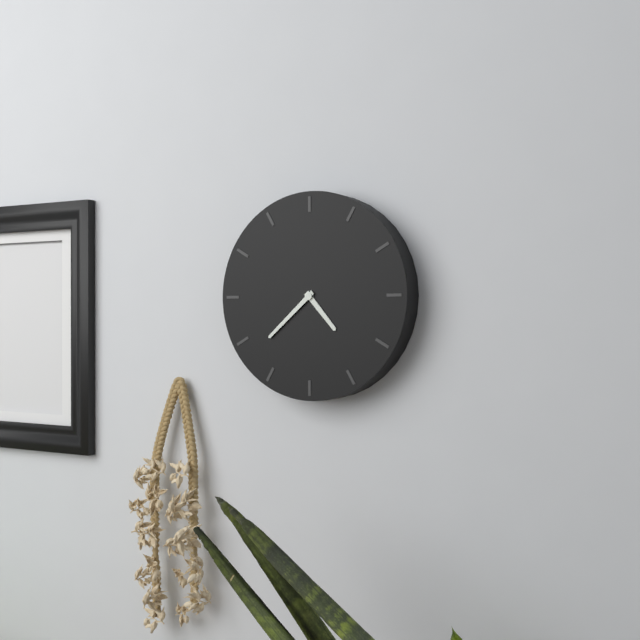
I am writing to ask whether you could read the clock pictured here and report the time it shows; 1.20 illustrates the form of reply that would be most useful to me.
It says 4.38
